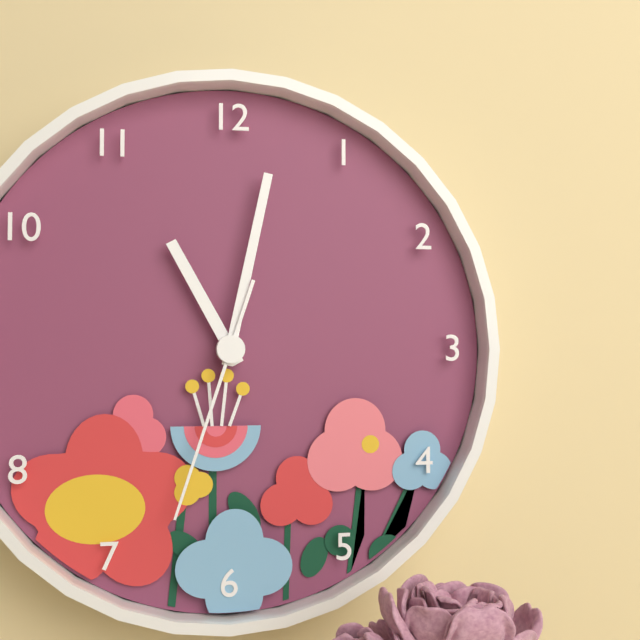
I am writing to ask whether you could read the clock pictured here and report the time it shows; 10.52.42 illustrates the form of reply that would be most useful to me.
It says 11.02.33
